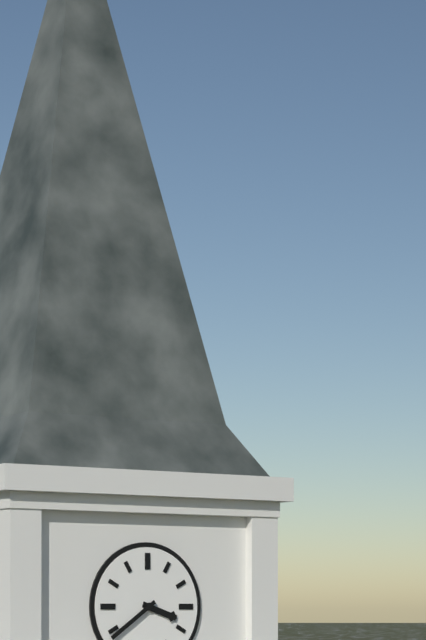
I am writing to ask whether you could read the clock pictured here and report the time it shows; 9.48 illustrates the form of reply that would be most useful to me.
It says 3.39
